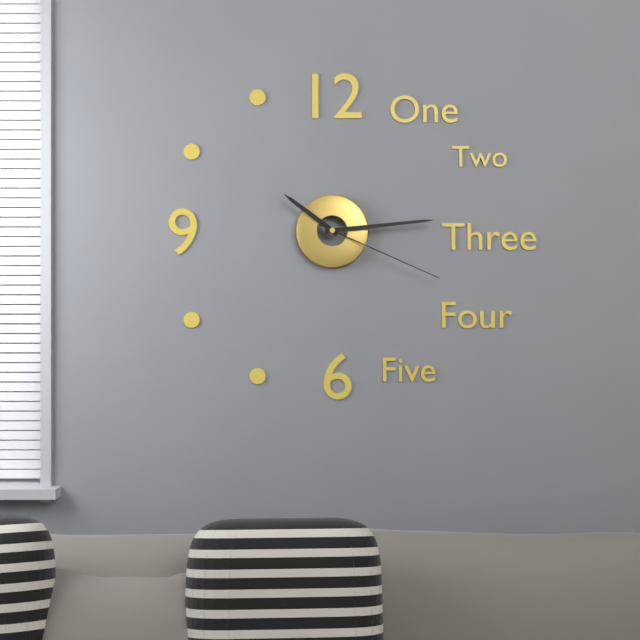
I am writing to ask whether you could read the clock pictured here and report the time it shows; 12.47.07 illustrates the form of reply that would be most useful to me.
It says 10.14.19
